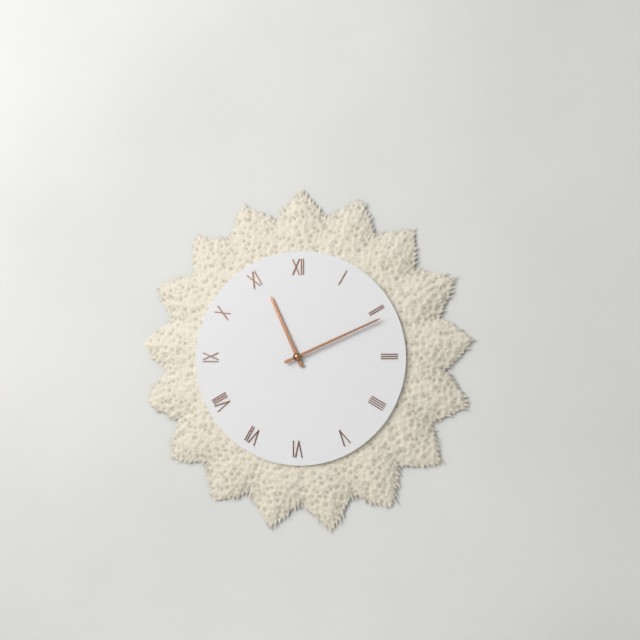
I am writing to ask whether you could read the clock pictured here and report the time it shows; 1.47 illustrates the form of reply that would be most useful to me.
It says 11.11
